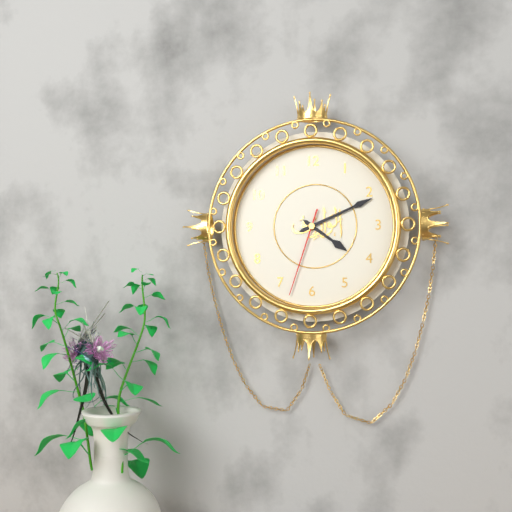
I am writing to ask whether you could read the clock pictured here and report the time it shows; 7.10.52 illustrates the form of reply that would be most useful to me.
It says 4.11.33
